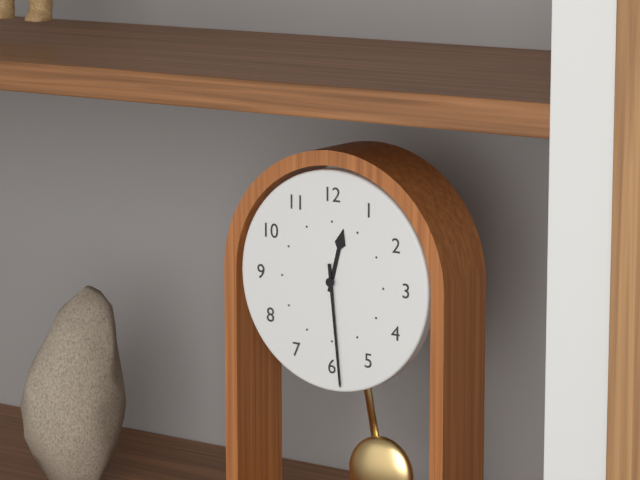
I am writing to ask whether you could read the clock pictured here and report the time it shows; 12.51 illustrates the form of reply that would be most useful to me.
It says 12.29
